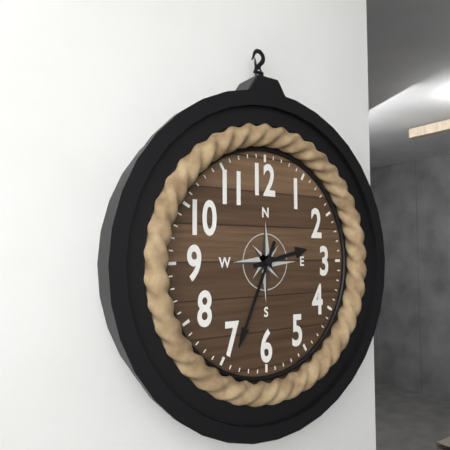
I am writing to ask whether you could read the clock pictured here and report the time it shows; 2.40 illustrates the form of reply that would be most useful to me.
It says 2.34
